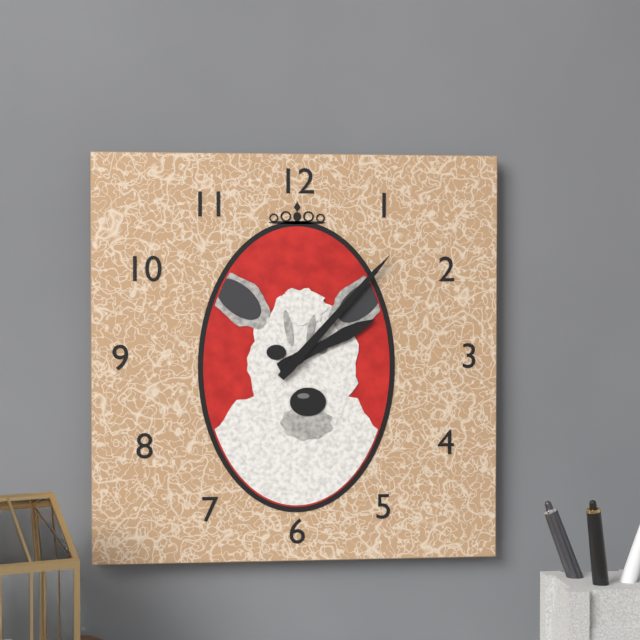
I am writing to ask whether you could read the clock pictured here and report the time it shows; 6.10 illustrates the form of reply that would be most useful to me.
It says 2.07
